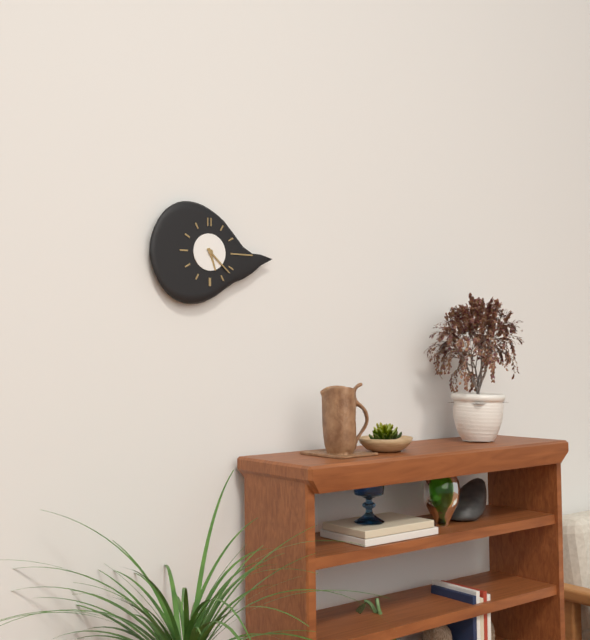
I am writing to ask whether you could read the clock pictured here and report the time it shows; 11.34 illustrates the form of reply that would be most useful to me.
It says 5.22
